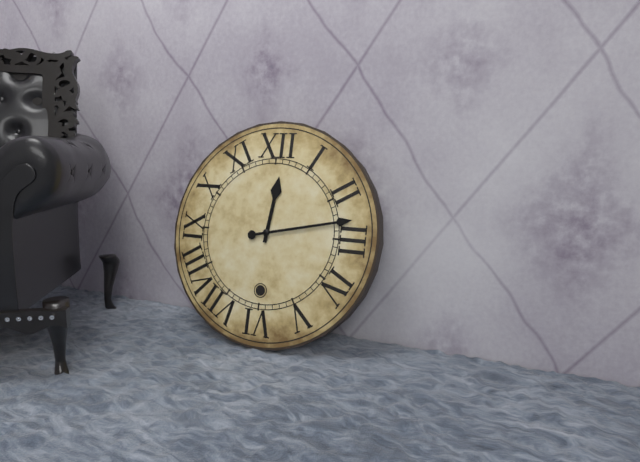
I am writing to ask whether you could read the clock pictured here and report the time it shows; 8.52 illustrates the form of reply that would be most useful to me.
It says 12.13
